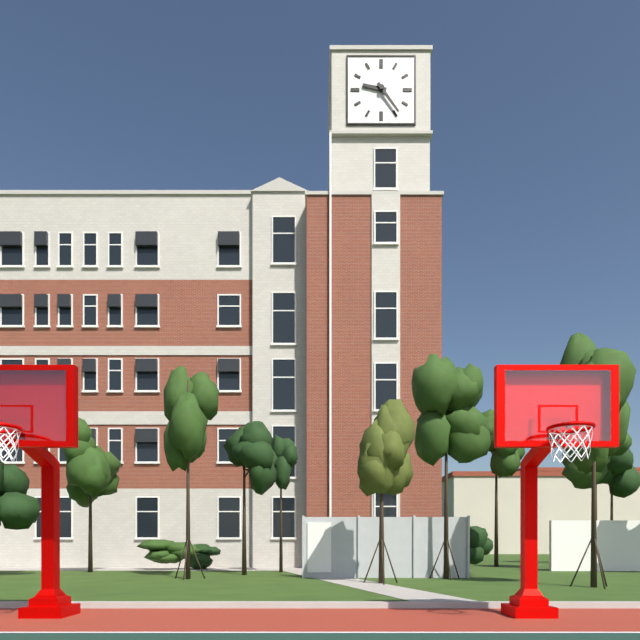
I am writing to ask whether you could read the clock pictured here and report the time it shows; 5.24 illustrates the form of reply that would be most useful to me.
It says 9.24
